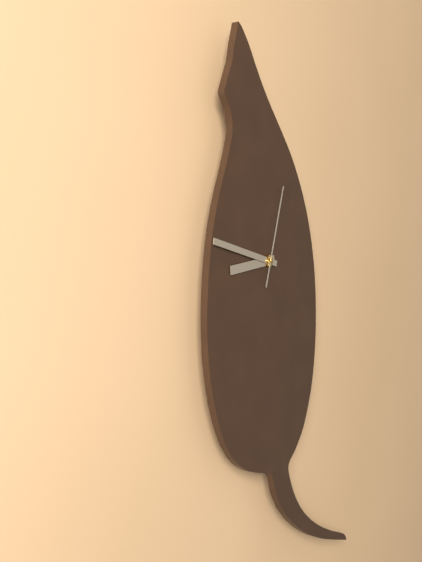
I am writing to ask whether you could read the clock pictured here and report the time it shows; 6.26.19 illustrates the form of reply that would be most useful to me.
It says 8.47.03
